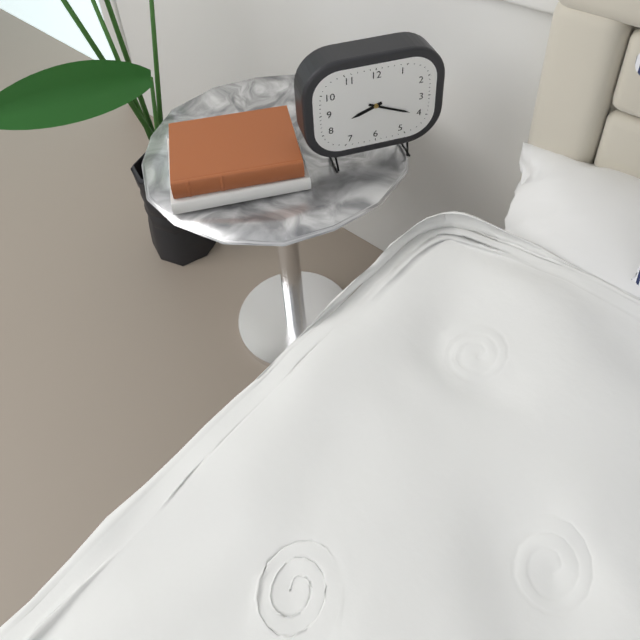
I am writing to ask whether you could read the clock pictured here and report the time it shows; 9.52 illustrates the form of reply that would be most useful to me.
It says 8.19
